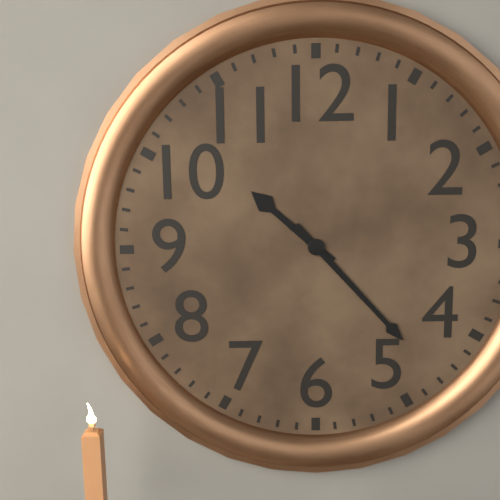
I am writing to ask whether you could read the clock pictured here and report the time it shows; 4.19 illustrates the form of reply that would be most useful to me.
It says 10.23
